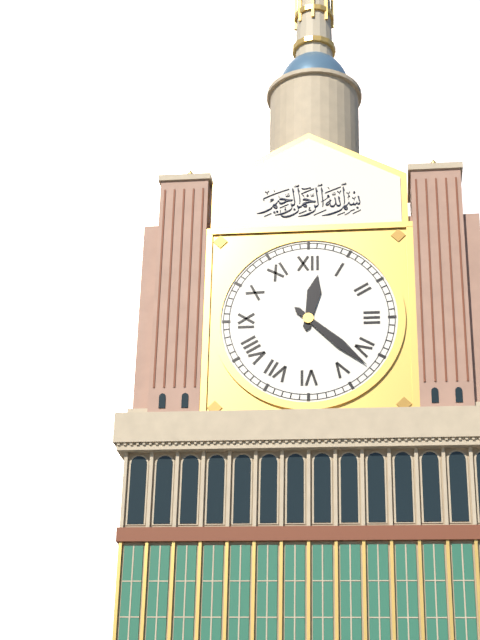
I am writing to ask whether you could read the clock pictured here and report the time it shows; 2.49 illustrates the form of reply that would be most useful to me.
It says 12.22
